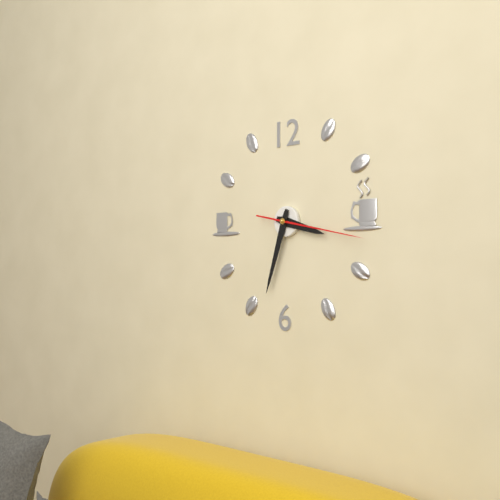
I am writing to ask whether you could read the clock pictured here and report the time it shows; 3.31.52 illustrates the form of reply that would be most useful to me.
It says 3.33.17
